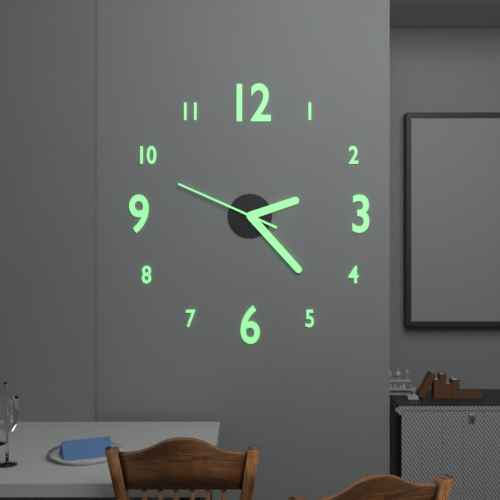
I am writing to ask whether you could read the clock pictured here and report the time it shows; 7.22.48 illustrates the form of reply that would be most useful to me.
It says 2.23.49
